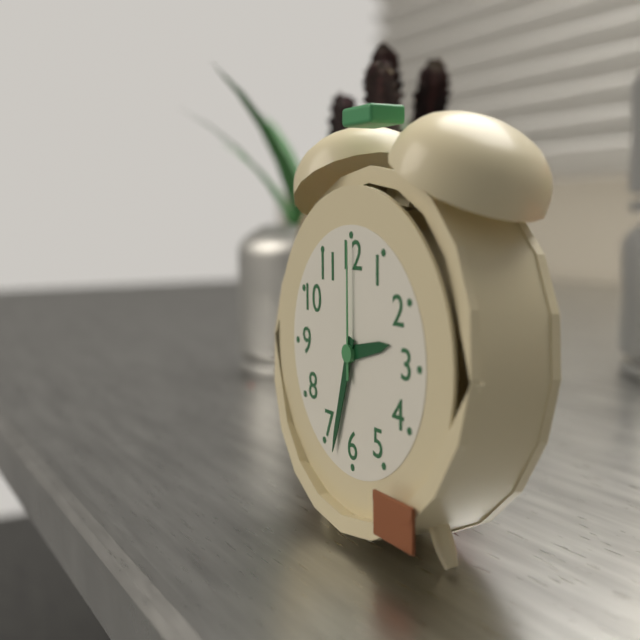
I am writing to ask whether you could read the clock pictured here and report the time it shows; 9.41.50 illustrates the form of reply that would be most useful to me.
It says 2.33.00
